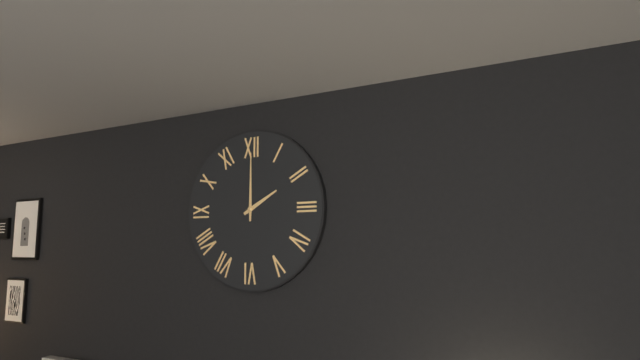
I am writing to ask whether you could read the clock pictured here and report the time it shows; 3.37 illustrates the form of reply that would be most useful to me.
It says 2.00
